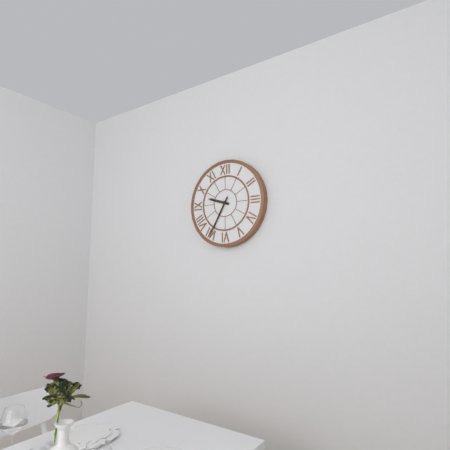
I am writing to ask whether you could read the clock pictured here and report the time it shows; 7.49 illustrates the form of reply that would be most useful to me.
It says 9.35
